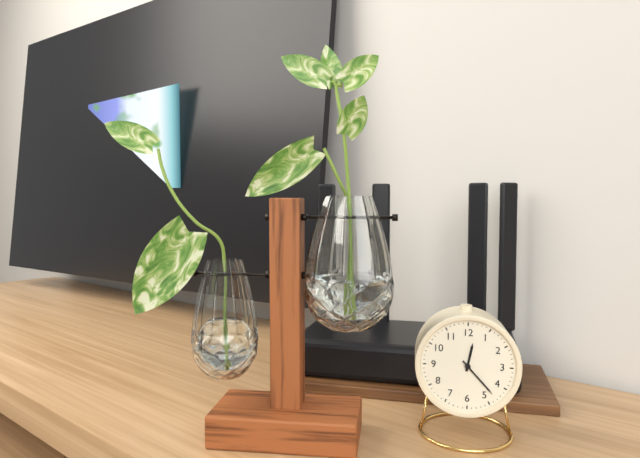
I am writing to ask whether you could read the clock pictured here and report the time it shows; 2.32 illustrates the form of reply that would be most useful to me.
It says 12.23
